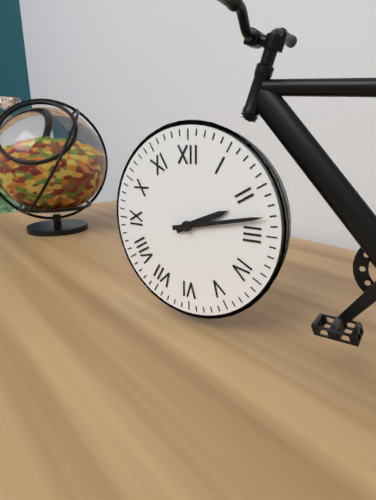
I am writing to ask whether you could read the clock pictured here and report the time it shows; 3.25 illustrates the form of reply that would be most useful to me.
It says 2.13
